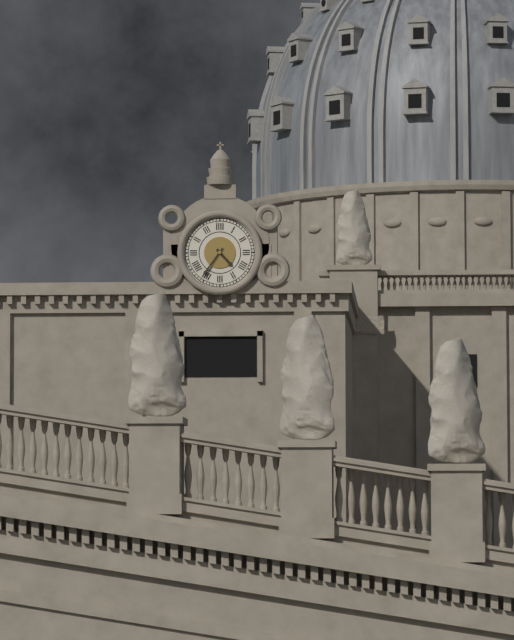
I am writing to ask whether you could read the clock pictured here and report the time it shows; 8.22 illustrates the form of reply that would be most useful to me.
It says 4.36
